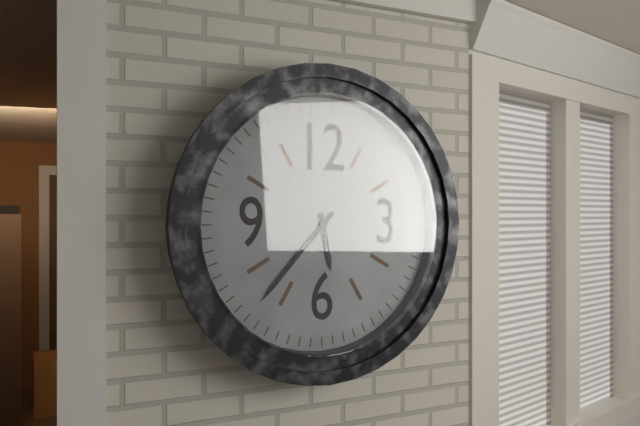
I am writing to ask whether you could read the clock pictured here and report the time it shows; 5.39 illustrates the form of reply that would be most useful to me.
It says 5.37
